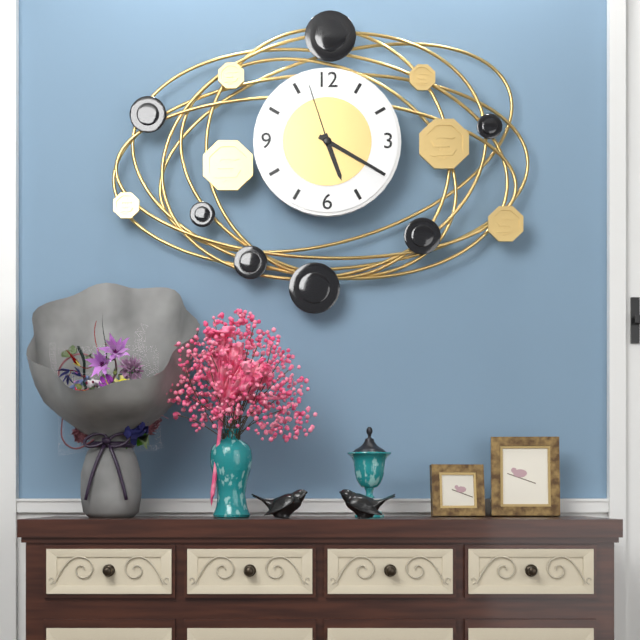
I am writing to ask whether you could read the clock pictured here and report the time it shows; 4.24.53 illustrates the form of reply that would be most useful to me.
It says 5.20.57
